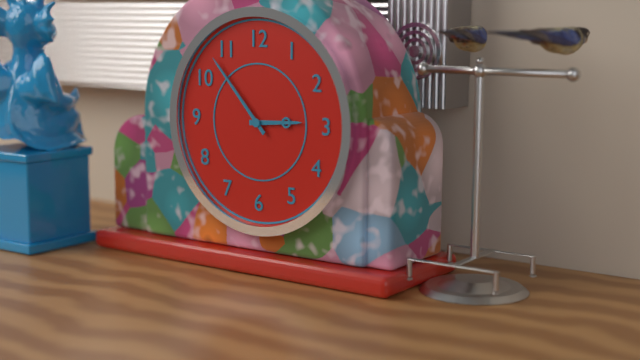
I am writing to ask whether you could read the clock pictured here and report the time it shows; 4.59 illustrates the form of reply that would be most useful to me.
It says 2.53
